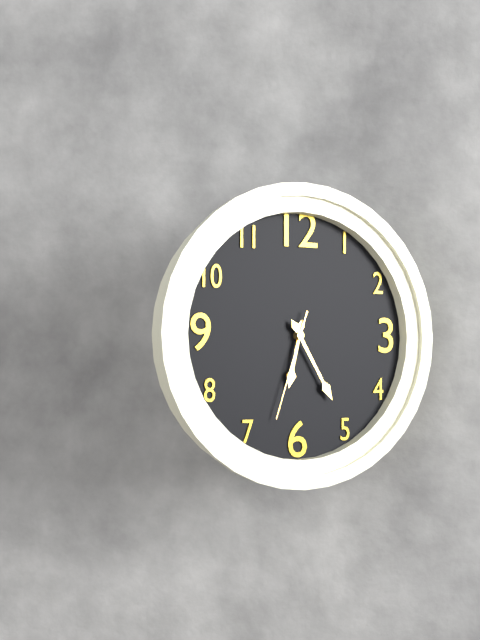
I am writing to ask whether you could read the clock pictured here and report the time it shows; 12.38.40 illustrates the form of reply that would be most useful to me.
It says 6.25.33
